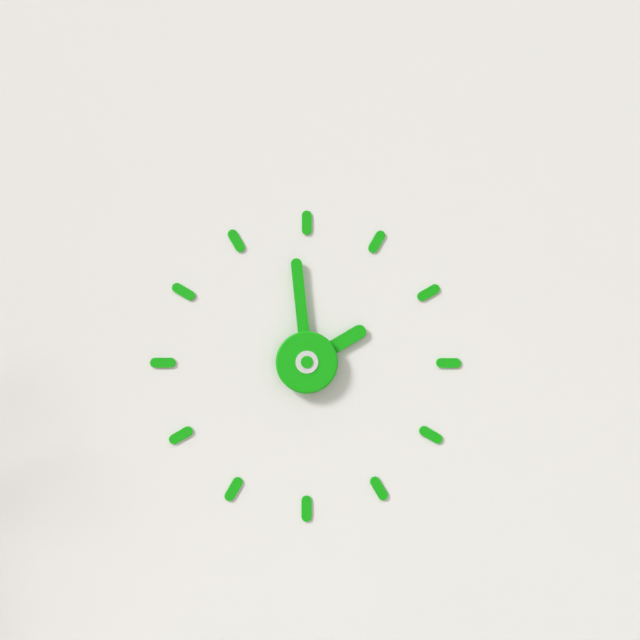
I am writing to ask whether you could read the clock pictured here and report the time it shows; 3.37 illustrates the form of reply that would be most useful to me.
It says 1.59
